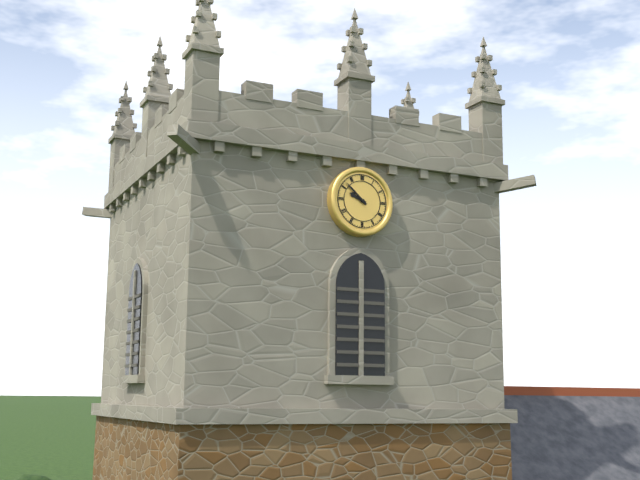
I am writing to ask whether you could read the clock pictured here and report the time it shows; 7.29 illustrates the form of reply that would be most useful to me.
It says 9.52
